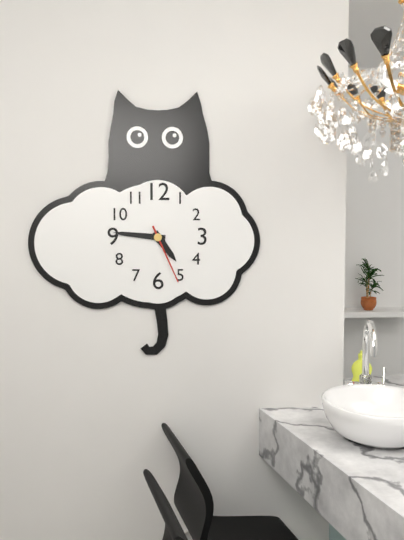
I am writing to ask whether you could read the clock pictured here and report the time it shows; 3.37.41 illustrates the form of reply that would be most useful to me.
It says 4.46.26
